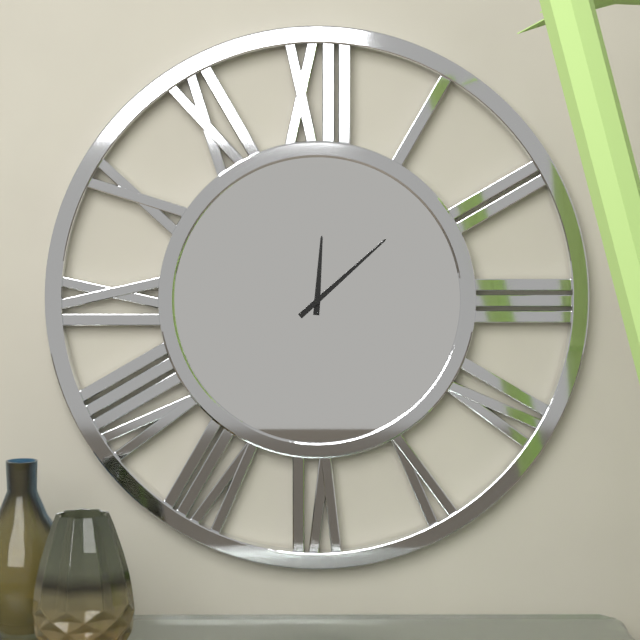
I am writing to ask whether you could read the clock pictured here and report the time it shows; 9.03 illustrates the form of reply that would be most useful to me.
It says 12.08
